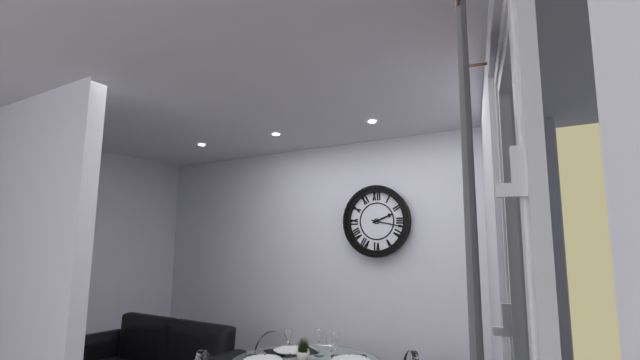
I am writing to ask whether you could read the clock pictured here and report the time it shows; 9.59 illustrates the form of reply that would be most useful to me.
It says 2.17
